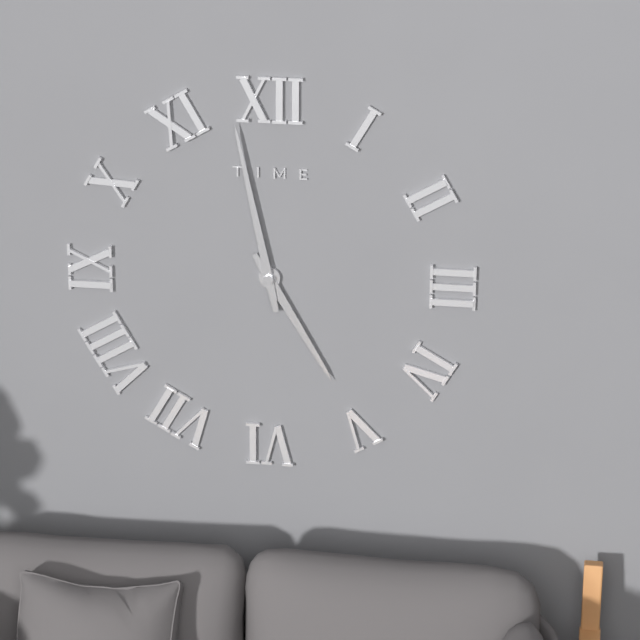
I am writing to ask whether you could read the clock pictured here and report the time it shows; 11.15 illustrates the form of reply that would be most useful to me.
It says 4.58
